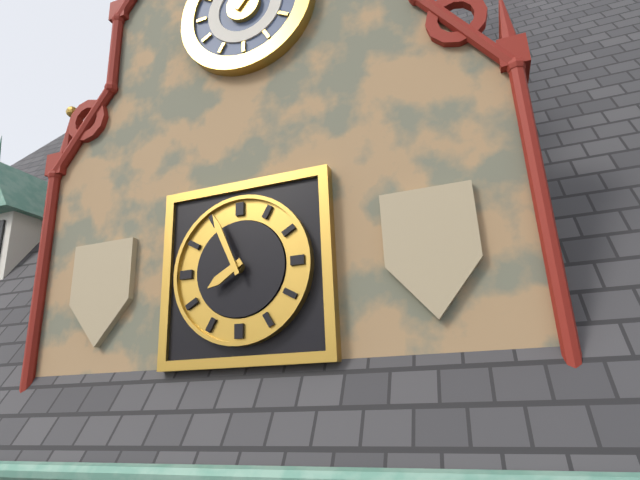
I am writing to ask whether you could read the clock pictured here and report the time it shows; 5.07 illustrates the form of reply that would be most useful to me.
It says 7.56
